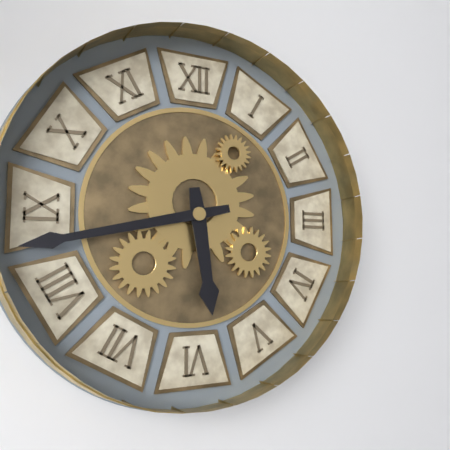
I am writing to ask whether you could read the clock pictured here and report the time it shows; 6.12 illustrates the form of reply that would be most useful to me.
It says 5.43
